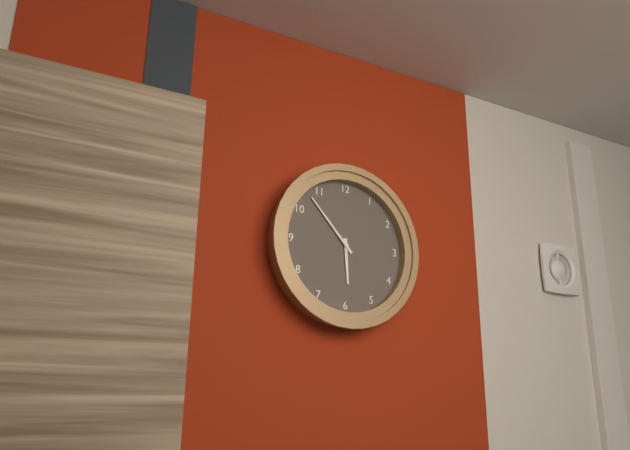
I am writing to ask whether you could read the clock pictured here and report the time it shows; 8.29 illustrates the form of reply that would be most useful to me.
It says 5.53
